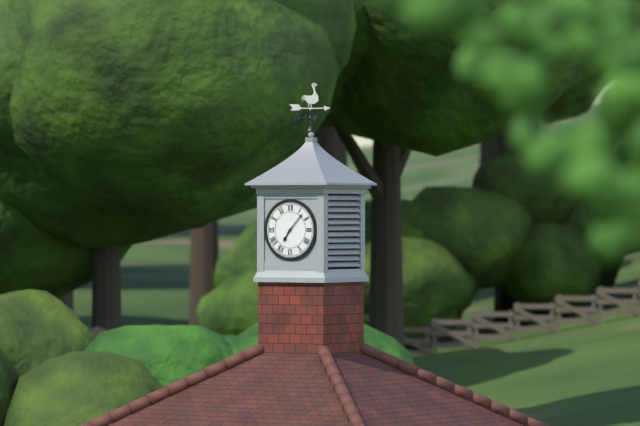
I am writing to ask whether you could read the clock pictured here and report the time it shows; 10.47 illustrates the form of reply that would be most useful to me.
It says 7.07
